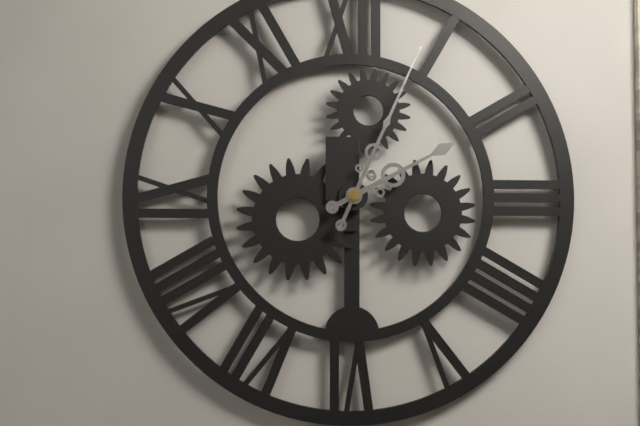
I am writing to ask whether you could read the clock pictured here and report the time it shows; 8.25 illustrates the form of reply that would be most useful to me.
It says 2.04
